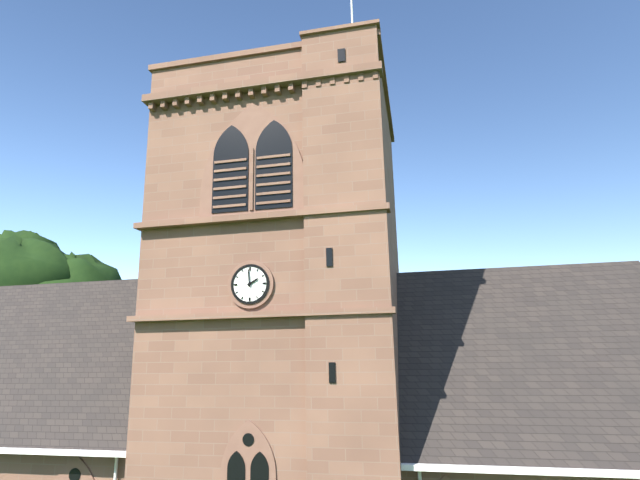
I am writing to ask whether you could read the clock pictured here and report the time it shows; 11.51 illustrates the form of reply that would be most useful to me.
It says 1.59
